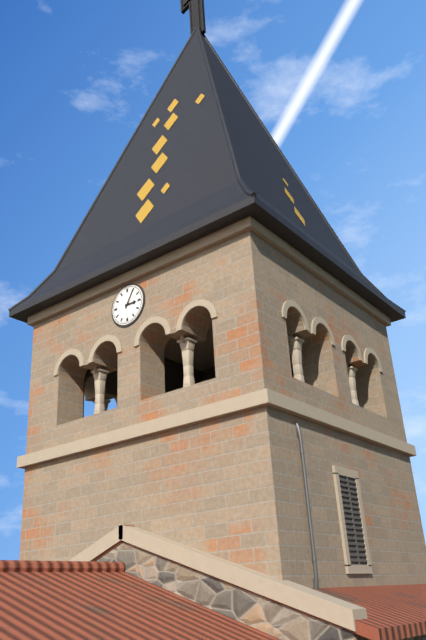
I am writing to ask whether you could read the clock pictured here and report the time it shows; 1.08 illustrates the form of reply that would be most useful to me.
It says 3.05
